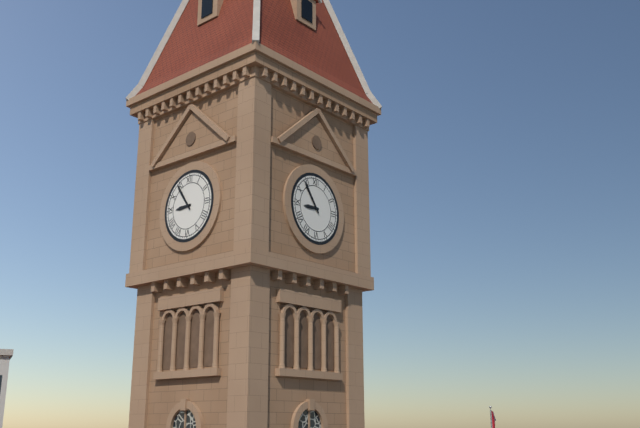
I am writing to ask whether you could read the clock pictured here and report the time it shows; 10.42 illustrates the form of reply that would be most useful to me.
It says 8.54
